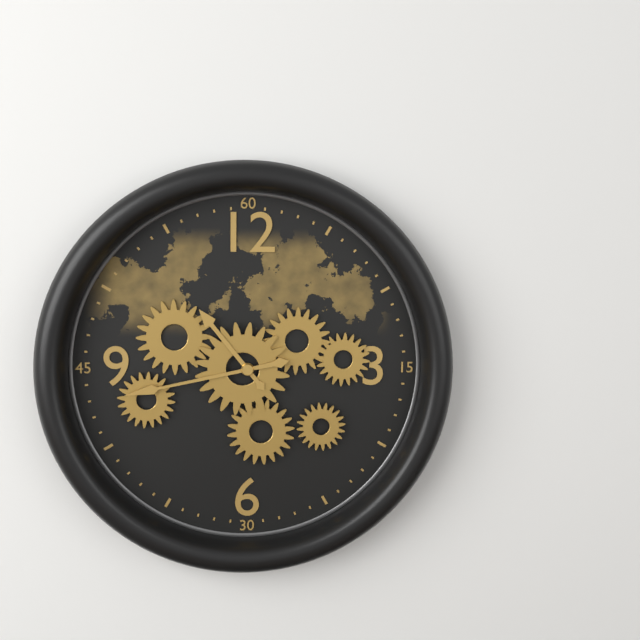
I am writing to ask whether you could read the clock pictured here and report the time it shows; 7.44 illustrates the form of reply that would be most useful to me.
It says 10.43
